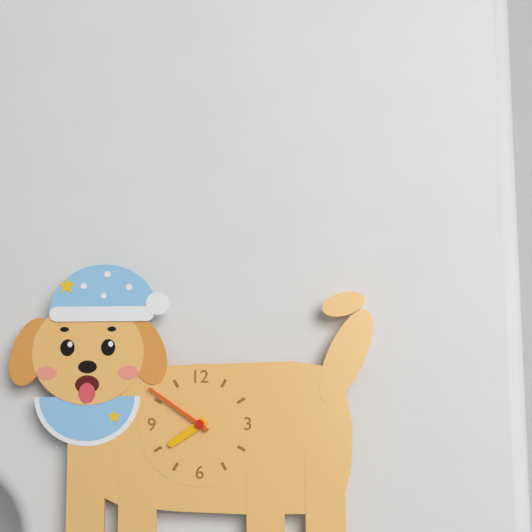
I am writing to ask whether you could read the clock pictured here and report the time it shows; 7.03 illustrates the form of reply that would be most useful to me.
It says 7.51
